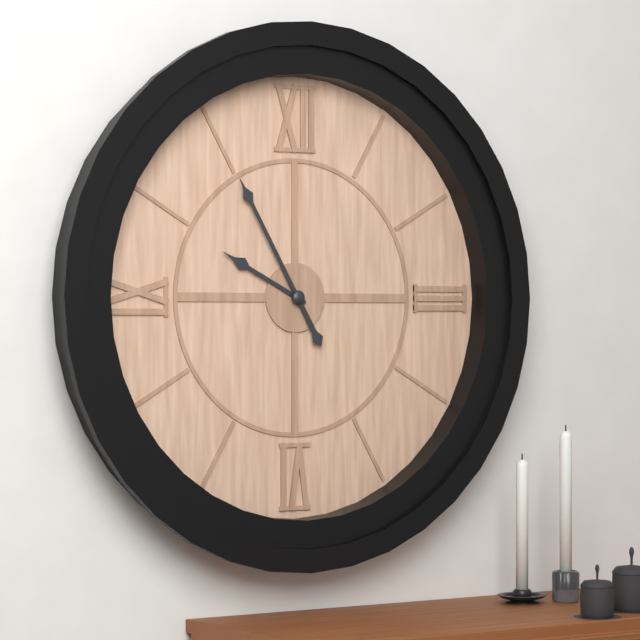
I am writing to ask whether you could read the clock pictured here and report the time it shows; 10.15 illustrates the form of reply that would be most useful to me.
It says 9.55
